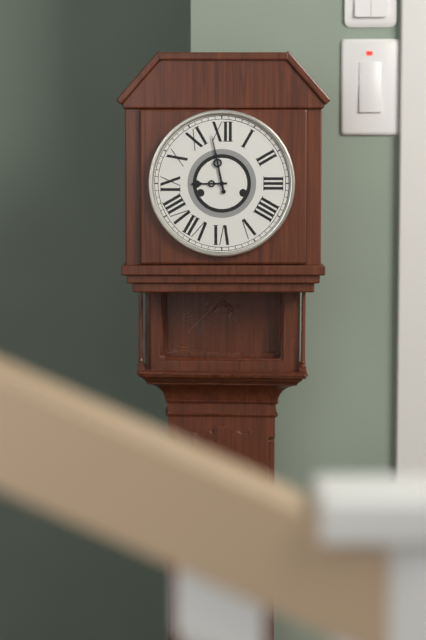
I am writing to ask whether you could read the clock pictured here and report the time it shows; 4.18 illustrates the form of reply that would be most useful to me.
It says 8.58
